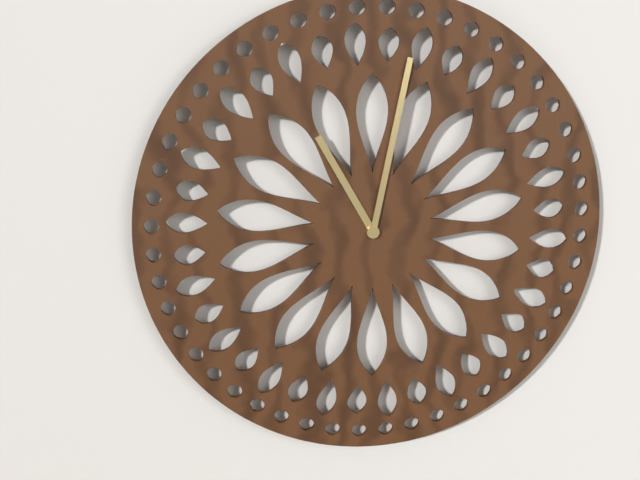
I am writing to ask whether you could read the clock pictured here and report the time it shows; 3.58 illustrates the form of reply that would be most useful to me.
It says 11.02
